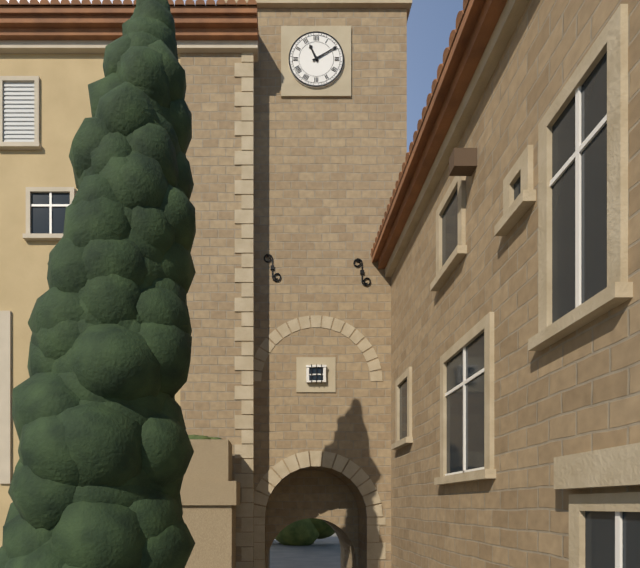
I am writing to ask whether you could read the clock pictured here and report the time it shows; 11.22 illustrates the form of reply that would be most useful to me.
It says 11.10
